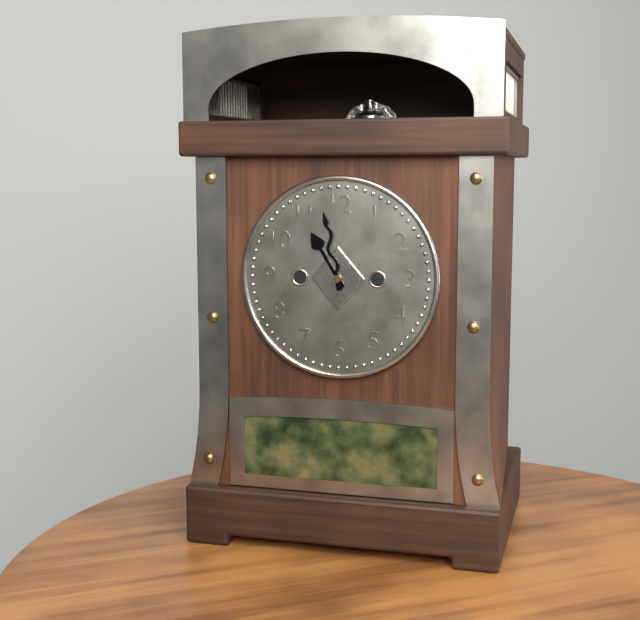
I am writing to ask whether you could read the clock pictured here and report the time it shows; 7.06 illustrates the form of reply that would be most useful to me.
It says 10.58
